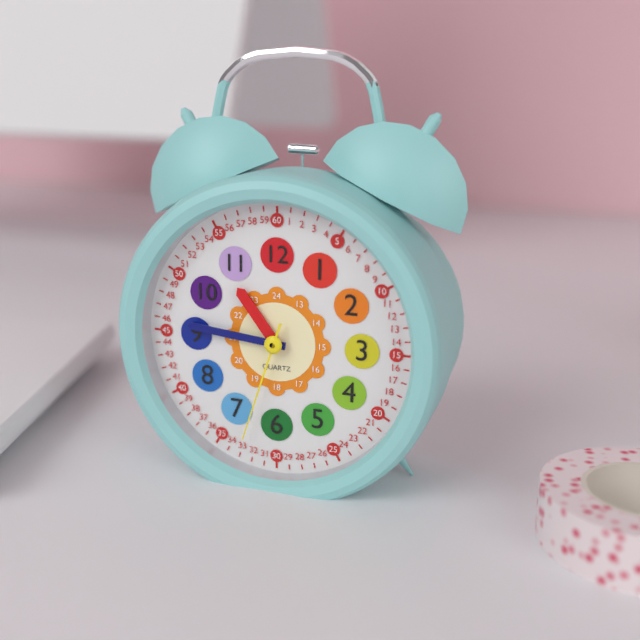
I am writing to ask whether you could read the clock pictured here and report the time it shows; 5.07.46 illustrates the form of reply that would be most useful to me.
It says 10.46.33
